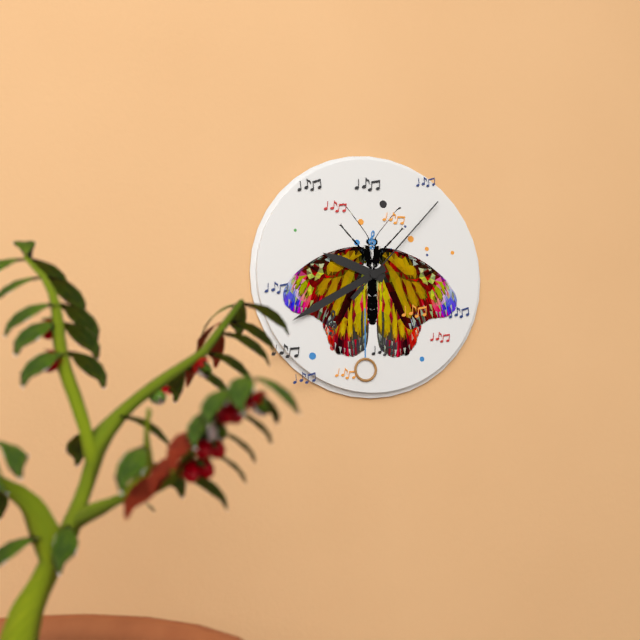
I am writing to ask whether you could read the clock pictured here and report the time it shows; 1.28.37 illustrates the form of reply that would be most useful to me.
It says 9.40.07
